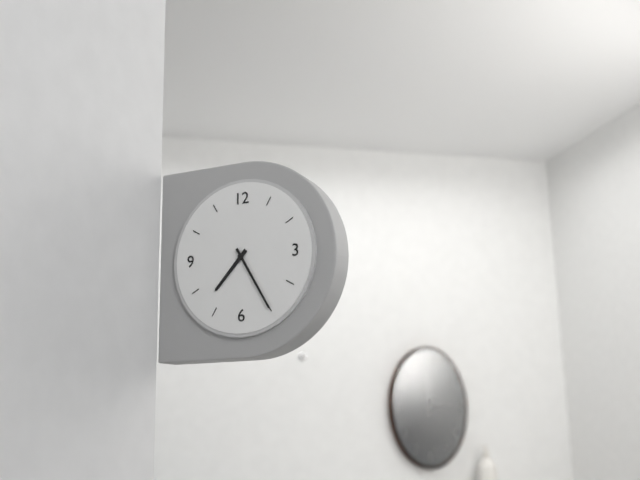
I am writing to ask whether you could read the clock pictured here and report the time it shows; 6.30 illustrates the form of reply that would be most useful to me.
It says 7.25
